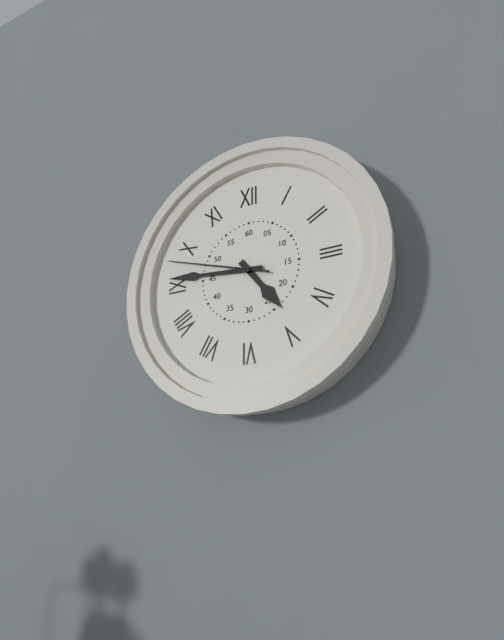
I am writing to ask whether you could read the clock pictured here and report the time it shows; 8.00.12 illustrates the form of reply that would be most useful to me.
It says 4.46.48
